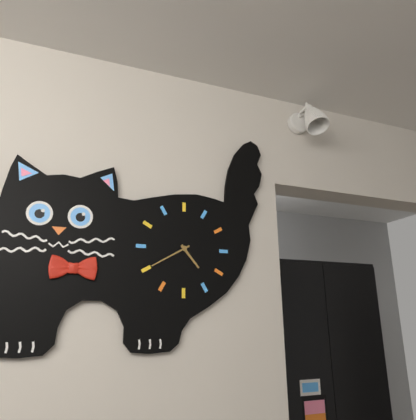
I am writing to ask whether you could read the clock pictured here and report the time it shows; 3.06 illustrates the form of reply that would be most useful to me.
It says 4.40
